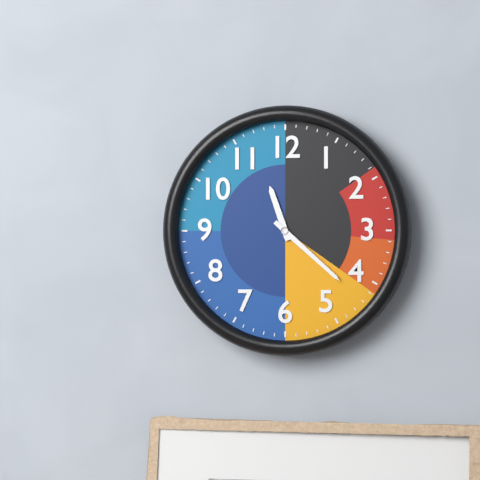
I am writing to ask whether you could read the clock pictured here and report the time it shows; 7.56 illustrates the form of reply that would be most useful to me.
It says 11.22
